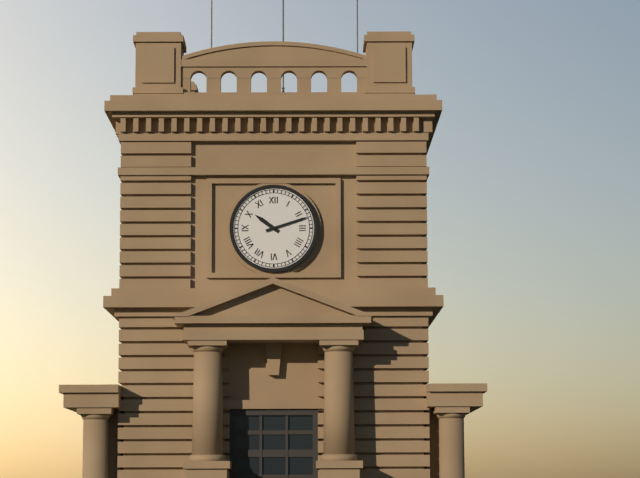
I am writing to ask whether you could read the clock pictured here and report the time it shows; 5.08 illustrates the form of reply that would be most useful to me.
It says 10.12
